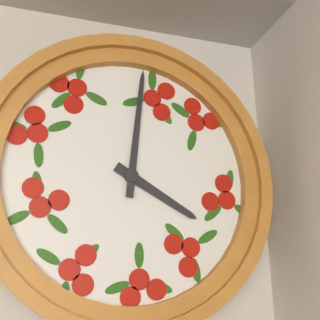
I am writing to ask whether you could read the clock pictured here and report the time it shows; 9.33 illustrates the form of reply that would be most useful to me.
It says 4.01
